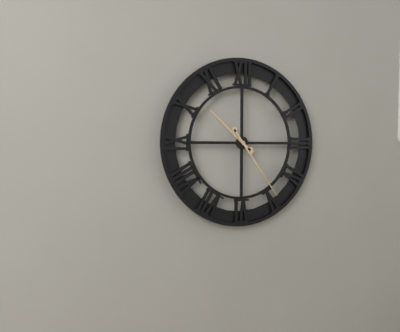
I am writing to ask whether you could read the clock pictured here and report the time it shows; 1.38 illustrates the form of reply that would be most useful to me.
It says 10.24
